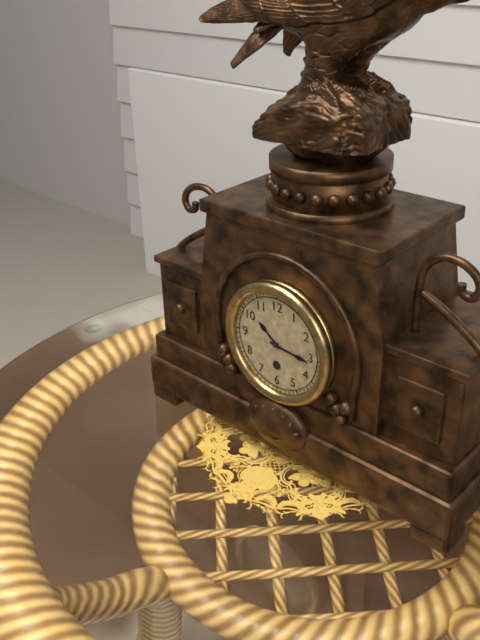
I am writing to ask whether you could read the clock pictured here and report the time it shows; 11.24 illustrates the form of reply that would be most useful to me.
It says 10.16
